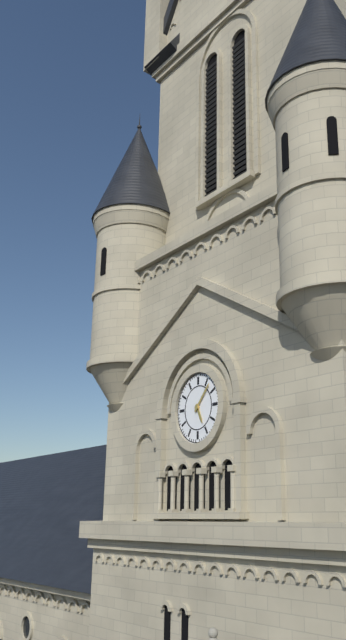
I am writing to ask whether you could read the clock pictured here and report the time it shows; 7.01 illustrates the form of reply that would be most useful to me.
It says 5.07
